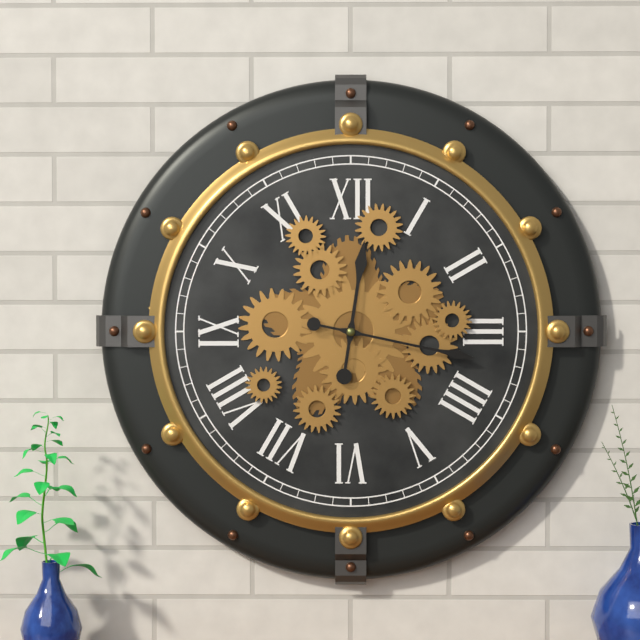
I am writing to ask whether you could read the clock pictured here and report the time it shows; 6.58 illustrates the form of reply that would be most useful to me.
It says 12.17
